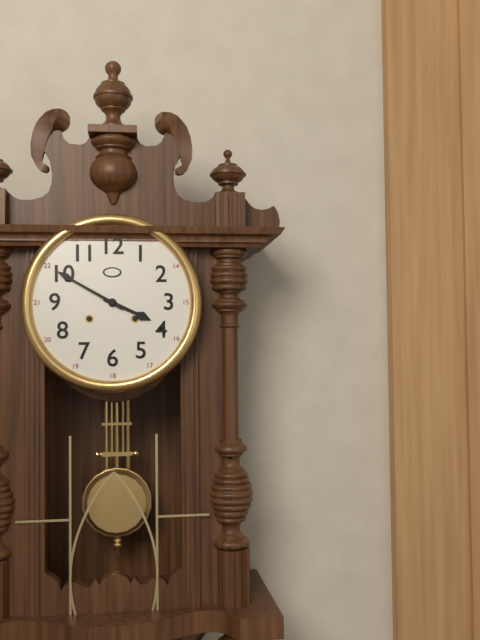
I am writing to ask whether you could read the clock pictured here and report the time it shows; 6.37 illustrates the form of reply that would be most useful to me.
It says 3.50
